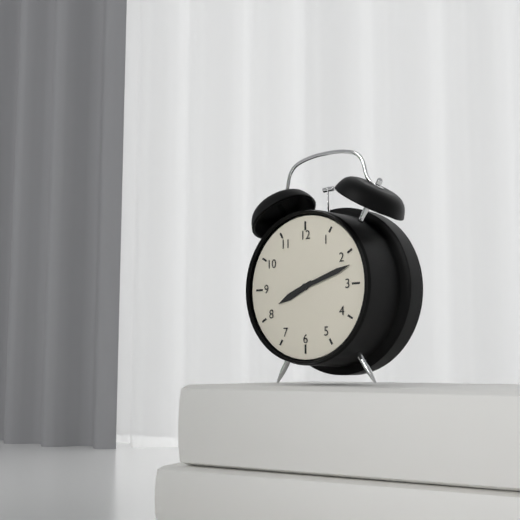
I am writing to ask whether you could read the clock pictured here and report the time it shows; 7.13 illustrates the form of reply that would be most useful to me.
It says 8.12
